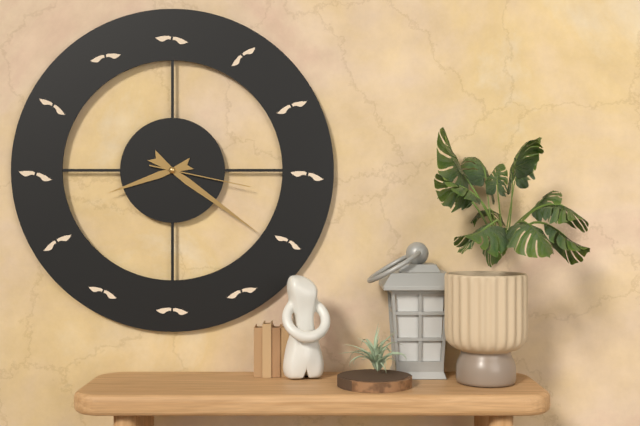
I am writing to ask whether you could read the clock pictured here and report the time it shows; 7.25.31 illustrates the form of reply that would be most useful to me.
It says 8.21.17
